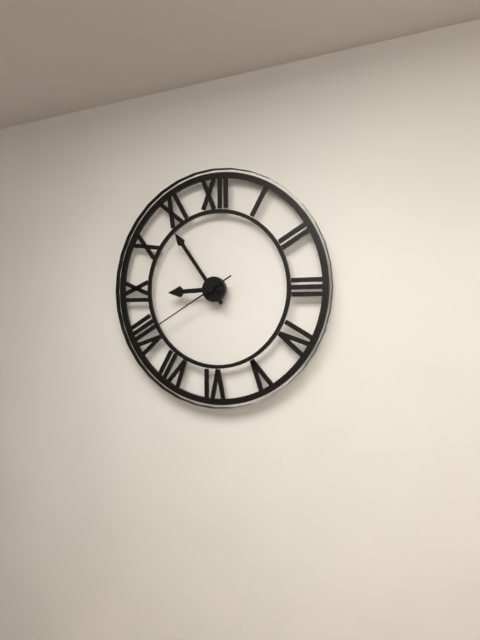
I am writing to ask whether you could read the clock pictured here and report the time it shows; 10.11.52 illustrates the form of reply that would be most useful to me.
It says 8.54.40
